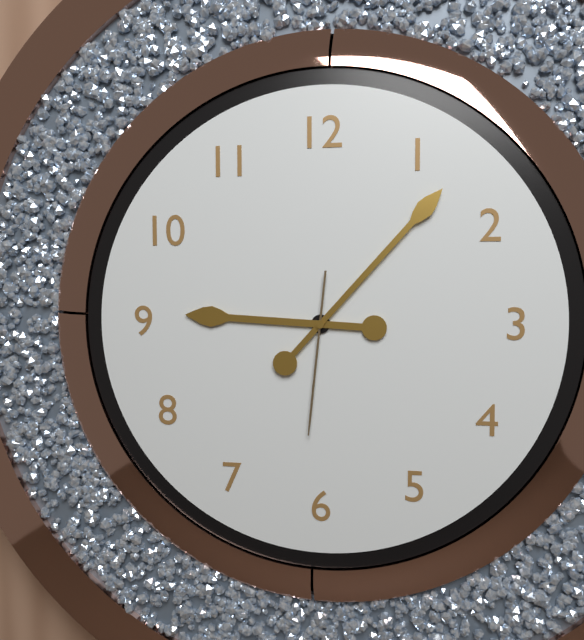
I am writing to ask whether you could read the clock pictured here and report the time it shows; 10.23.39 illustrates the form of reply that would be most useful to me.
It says 9.07.31
